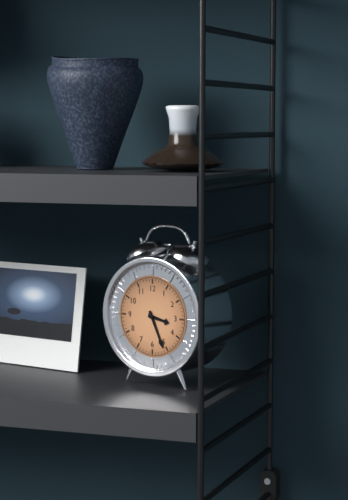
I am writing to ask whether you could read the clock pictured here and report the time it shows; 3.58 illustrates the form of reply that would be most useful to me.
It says 3.26
